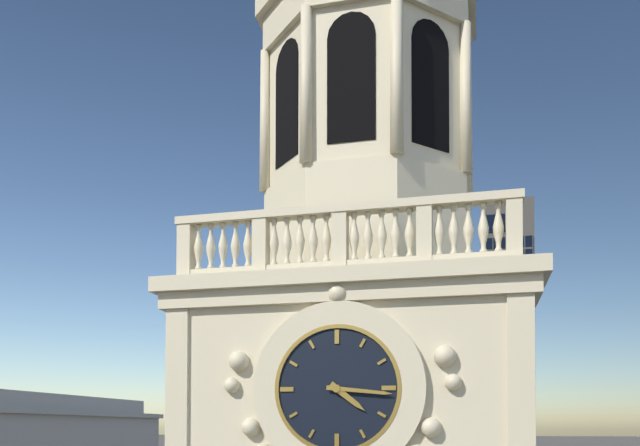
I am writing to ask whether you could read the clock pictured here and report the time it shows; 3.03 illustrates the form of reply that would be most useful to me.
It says 4.16
